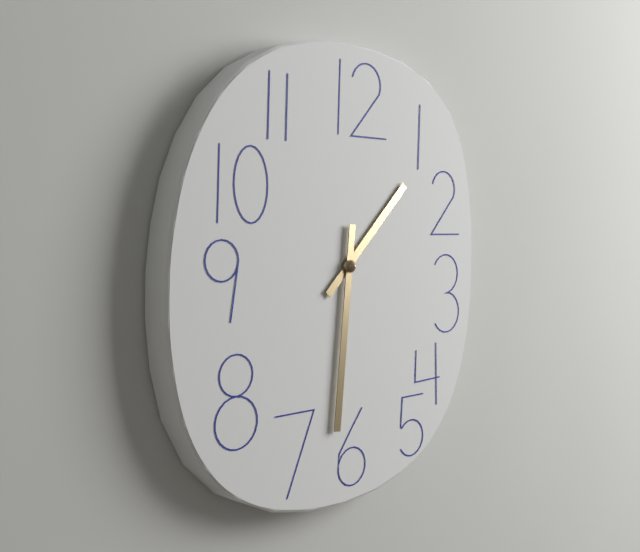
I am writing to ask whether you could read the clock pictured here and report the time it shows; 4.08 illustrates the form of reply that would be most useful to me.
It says 1.31
